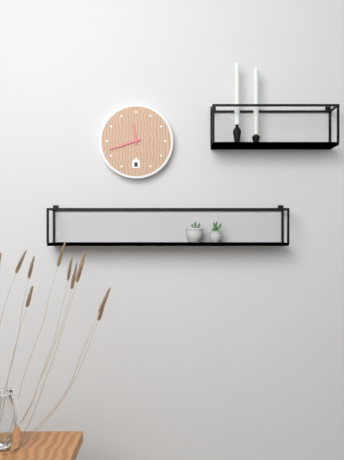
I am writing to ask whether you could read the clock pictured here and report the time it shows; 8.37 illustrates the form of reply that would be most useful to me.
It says 11.42
